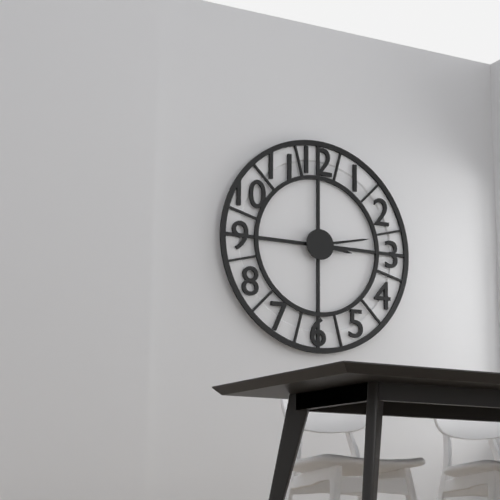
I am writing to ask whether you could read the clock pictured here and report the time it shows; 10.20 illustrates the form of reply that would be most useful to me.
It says 3.13
